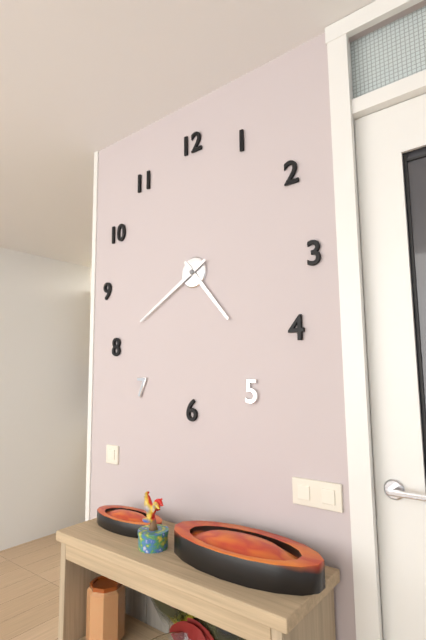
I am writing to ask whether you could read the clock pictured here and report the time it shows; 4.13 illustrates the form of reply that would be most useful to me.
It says 4.40
